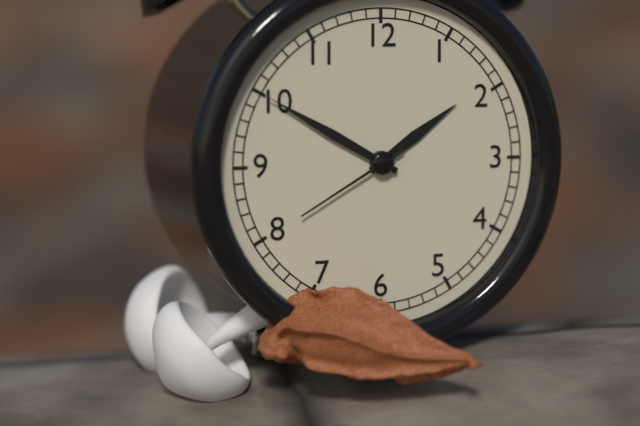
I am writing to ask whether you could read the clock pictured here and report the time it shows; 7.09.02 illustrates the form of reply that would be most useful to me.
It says 1.50.40
